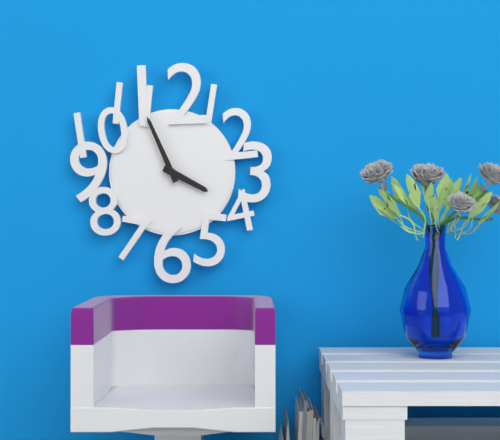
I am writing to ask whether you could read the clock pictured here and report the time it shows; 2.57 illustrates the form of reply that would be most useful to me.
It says 3.56
